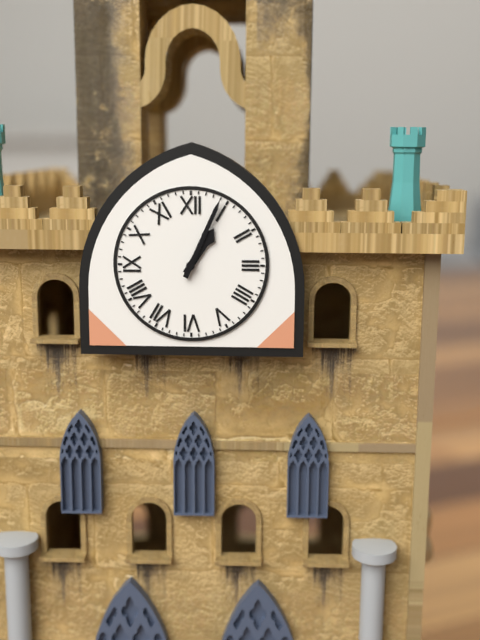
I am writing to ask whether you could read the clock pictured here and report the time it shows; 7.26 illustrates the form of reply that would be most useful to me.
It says 1.04
